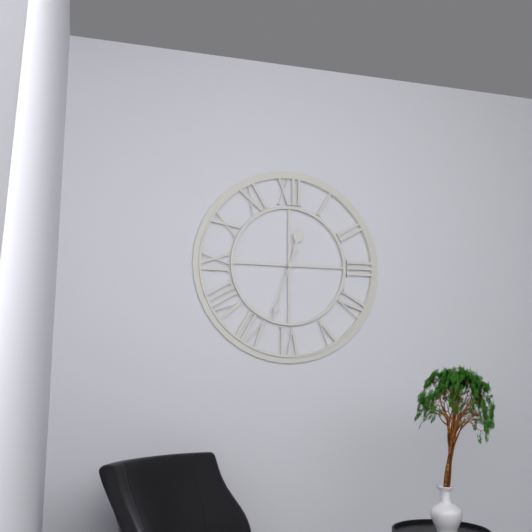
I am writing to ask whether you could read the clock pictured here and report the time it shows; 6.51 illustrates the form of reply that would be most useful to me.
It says 12.33
